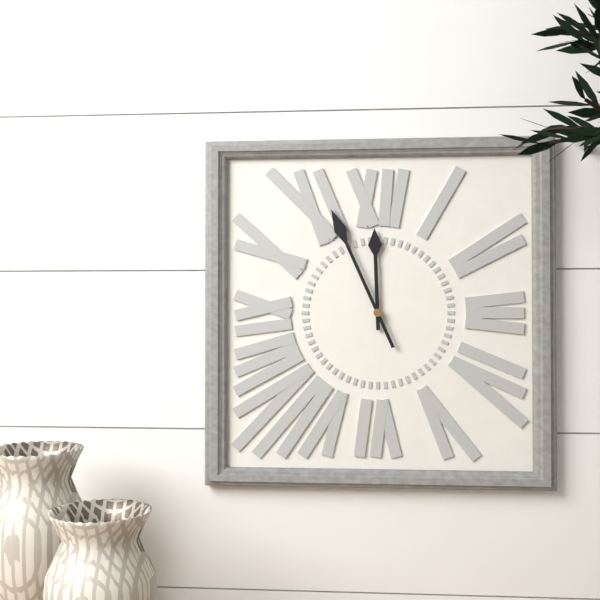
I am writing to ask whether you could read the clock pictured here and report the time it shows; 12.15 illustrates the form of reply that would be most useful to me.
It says 11.56
